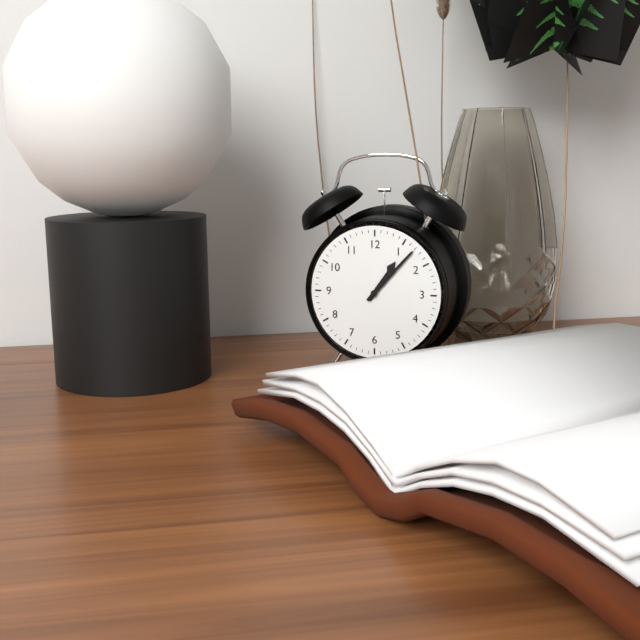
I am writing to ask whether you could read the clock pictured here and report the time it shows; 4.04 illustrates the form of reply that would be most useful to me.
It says 1.07
